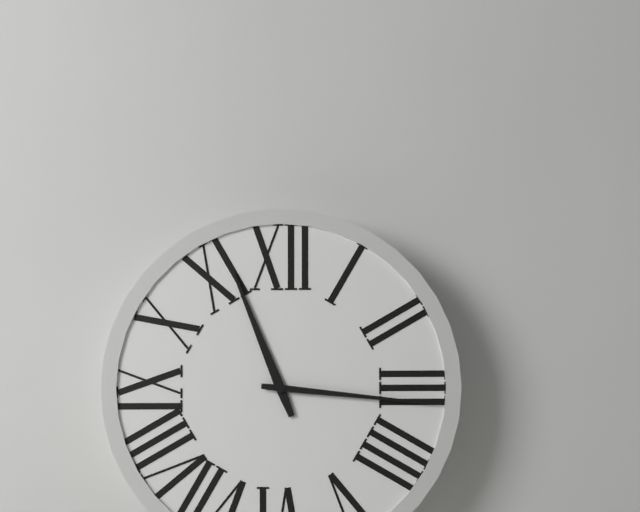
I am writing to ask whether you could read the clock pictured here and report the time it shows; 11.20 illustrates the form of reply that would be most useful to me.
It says 11.16
